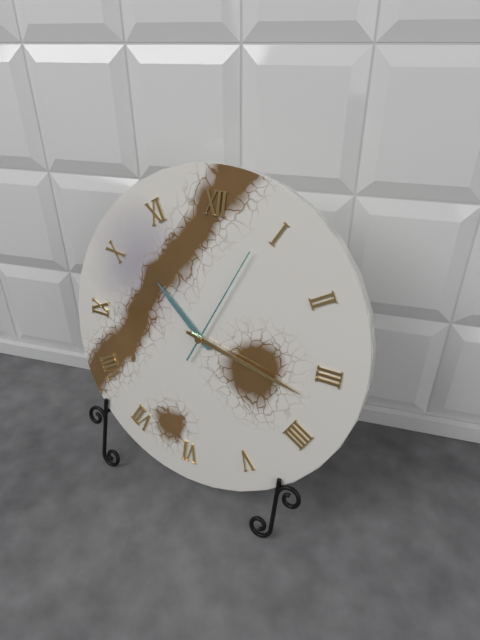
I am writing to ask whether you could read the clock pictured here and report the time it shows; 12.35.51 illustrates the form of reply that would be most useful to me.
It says 10.17.04
